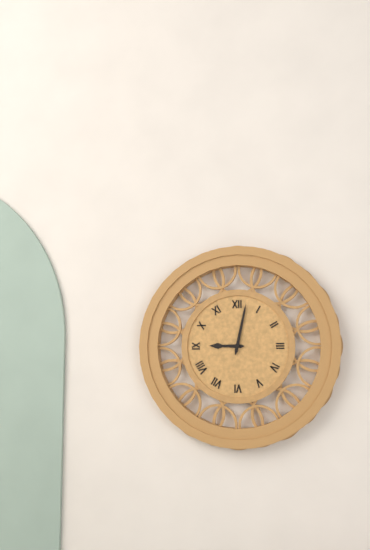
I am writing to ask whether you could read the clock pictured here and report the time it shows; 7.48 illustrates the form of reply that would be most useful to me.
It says 9.02
